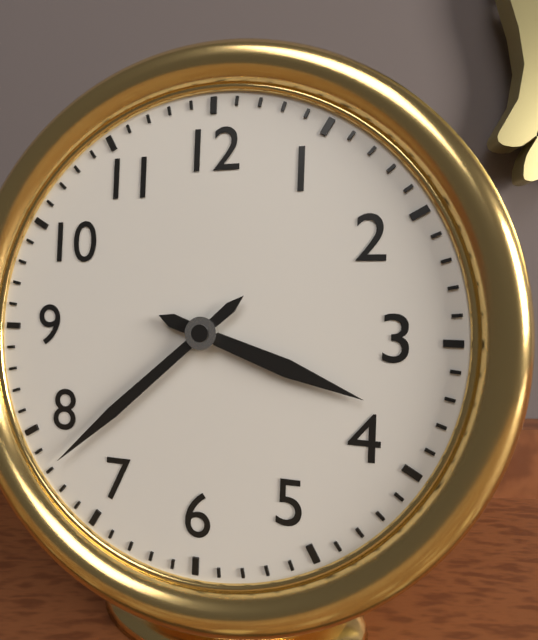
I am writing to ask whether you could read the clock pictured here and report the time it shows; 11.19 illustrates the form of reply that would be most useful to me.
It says 3.38
